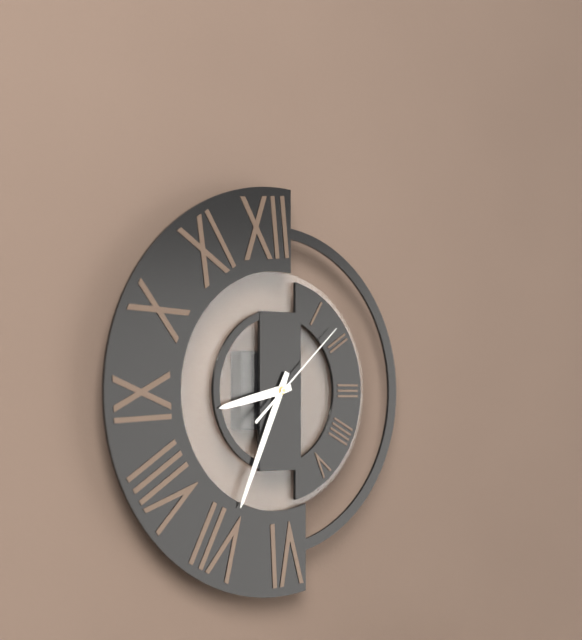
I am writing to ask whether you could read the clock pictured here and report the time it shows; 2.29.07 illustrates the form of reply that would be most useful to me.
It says 8.34.08
